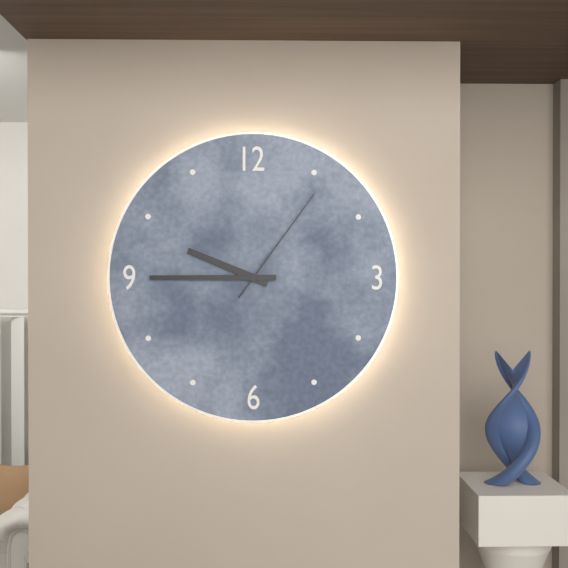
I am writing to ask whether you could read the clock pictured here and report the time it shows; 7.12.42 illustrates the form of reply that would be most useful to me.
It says 9.45.06
